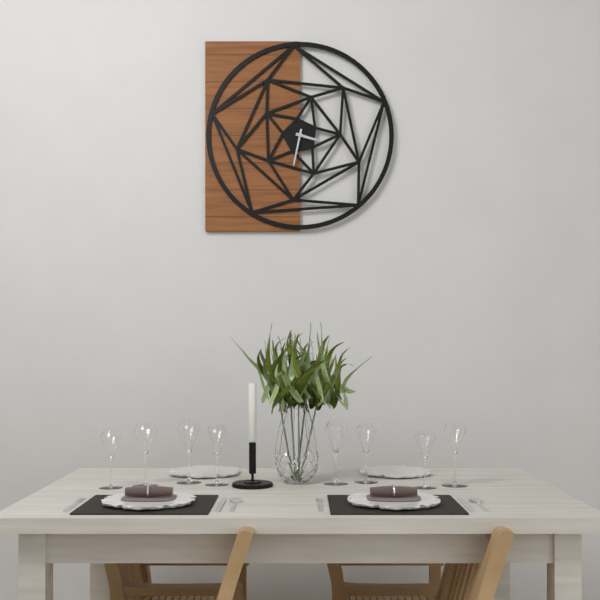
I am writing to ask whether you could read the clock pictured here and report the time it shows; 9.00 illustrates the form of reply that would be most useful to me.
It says 3.32
